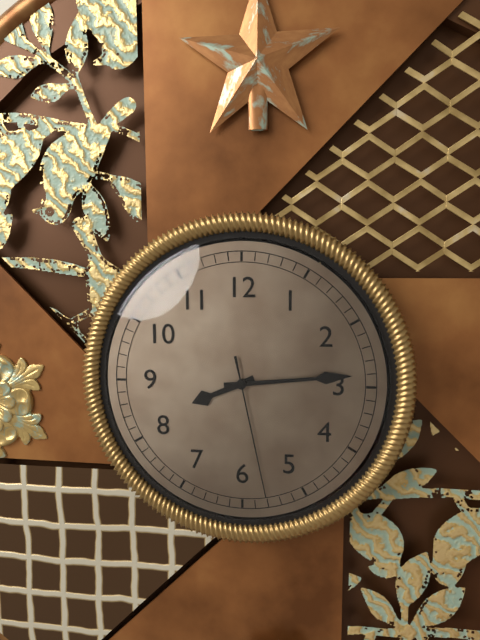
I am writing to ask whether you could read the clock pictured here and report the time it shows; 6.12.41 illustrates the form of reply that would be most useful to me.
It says 8.14.28
